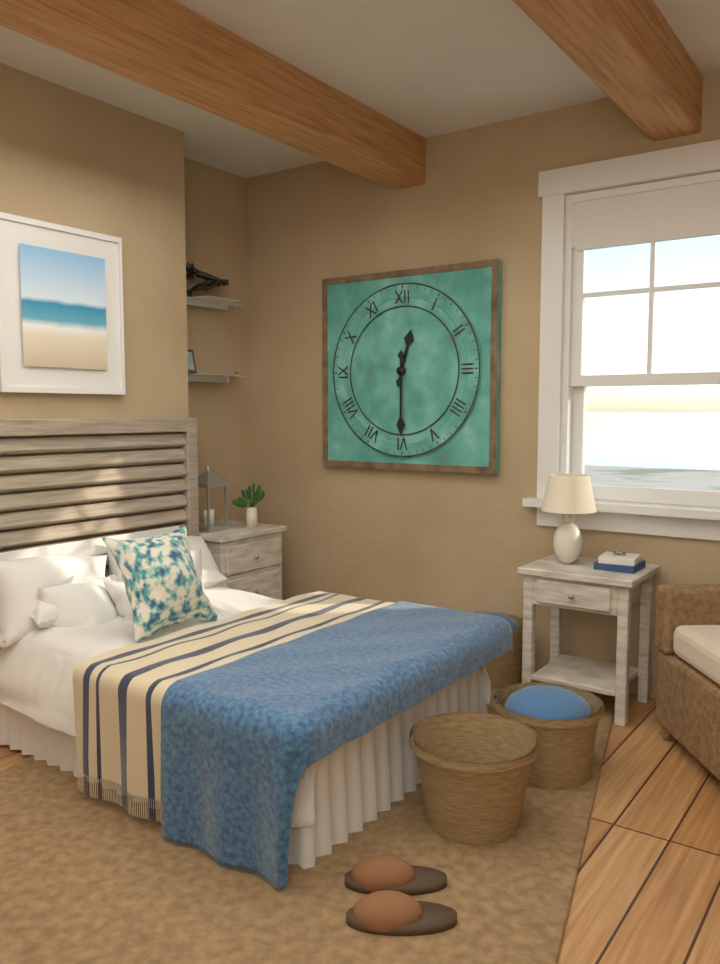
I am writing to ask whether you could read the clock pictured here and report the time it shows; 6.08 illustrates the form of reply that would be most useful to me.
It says 12.30
